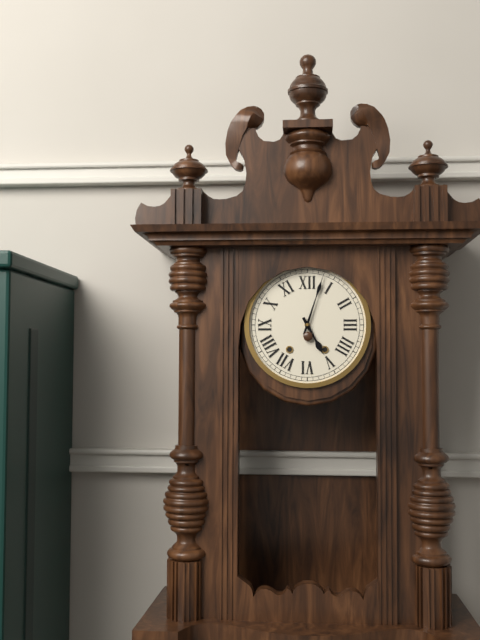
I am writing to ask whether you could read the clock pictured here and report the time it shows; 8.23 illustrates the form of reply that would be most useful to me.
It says 5.03
